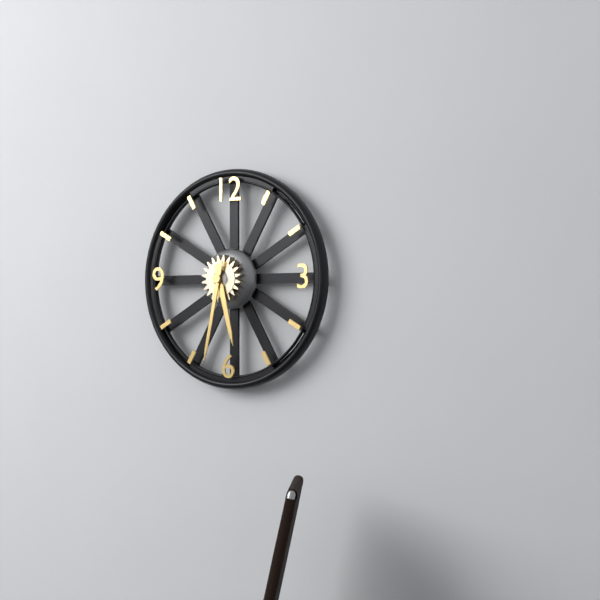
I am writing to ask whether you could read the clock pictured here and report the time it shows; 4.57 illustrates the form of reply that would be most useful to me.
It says 5.32
